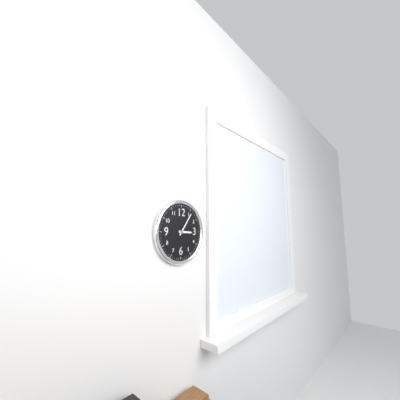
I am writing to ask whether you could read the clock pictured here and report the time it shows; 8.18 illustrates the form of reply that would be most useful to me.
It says 3.06
